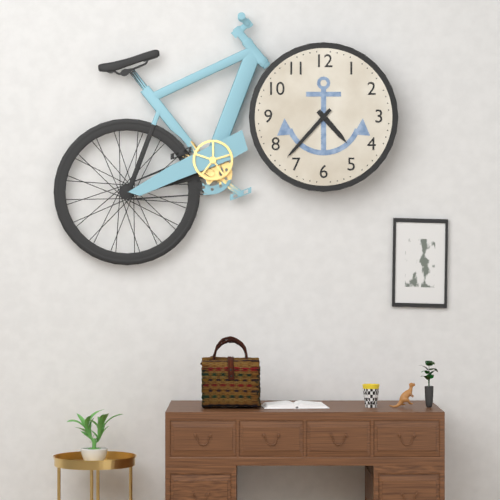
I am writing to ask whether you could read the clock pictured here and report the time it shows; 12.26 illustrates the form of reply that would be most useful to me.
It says 4.37
